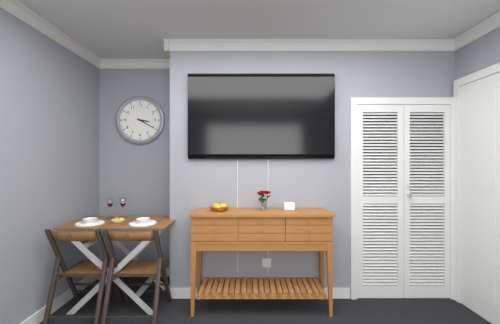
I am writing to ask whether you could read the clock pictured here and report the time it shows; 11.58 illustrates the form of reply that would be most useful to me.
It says 3.20
